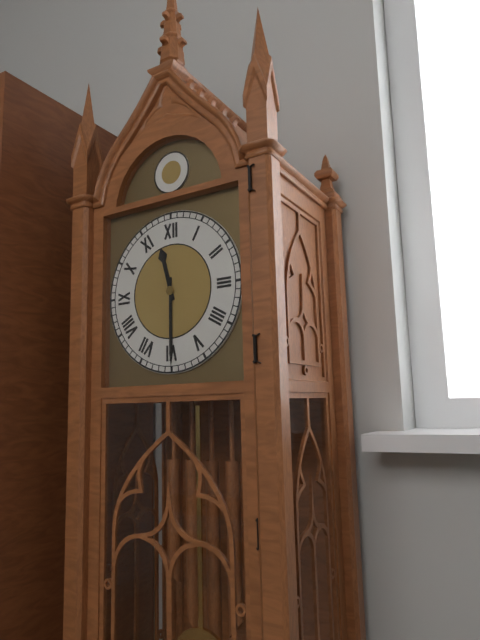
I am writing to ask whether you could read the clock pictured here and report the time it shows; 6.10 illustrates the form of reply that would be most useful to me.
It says 11.30
